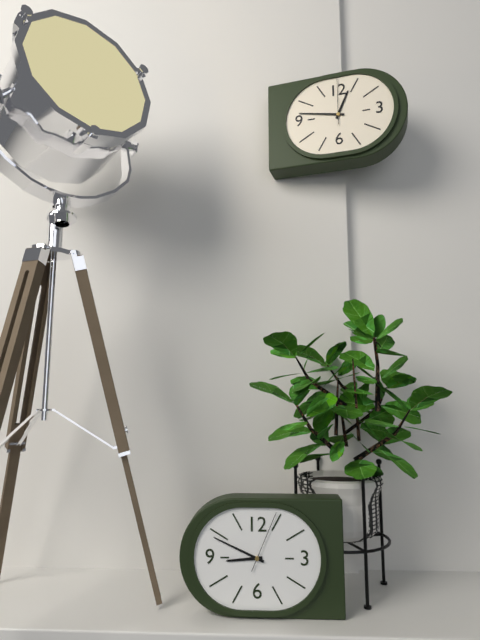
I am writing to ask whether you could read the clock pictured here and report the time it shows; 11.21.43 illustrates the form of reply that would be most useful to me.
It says 8.49.04
